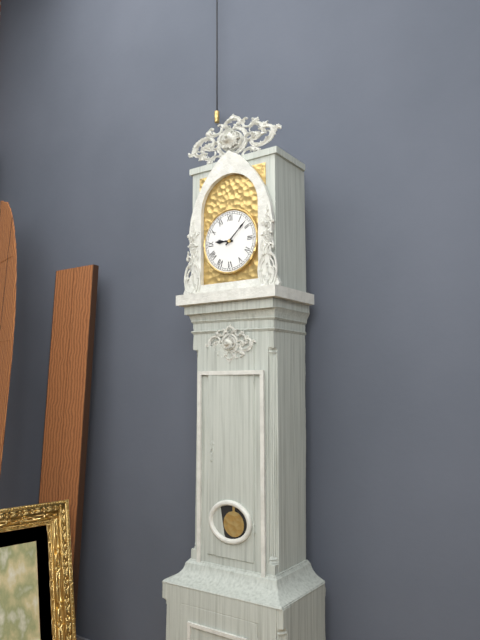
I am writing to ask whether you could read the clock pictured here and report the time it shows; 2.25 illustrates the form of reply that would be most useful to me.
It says 9.08
